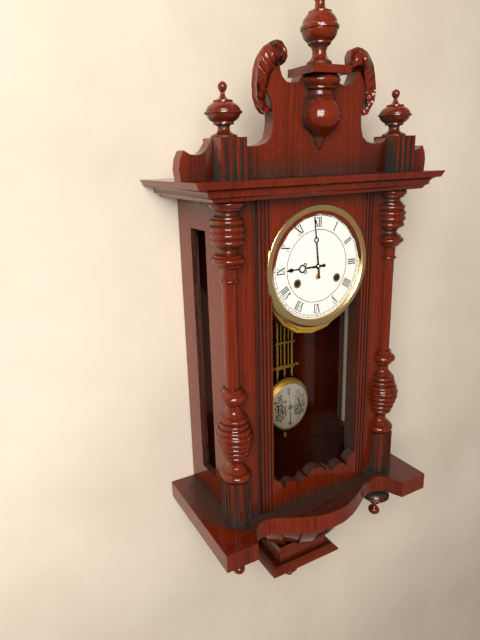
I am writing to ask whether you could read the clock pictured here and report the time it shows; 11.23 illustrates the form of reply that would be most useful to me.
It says 8.59
